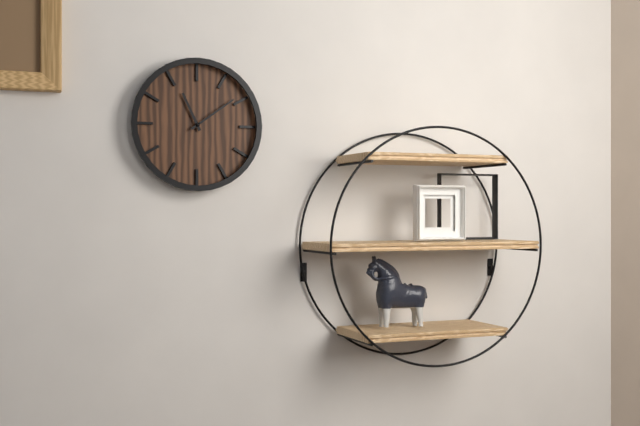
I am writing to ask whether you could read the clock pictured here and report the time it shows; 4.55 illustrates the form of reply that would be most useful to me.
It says 11.09
